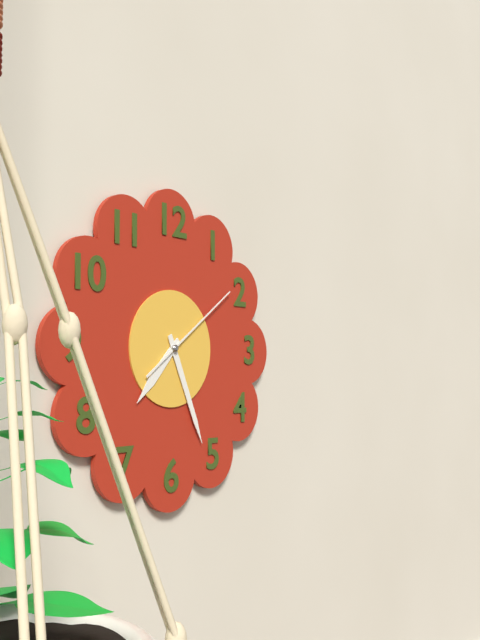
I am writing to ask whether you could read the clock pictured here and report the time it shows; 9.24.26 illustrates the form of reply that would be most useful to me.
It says 7.26.09
